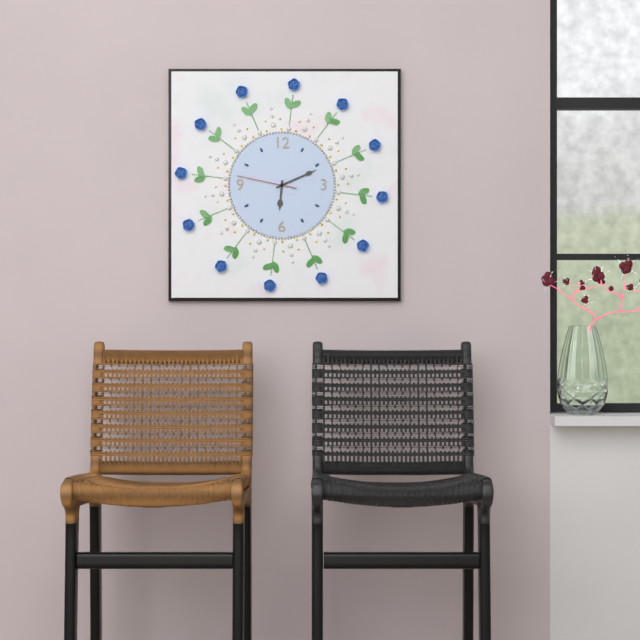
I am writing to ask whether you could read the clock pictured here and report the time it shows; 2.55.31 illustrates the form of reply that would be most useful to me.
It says 6.11.47
